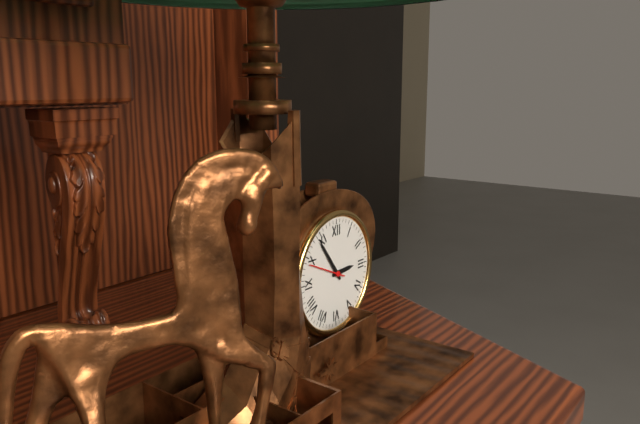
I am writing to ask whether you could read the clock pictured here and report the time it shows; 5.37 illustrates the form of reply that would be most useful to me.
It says 2.54
